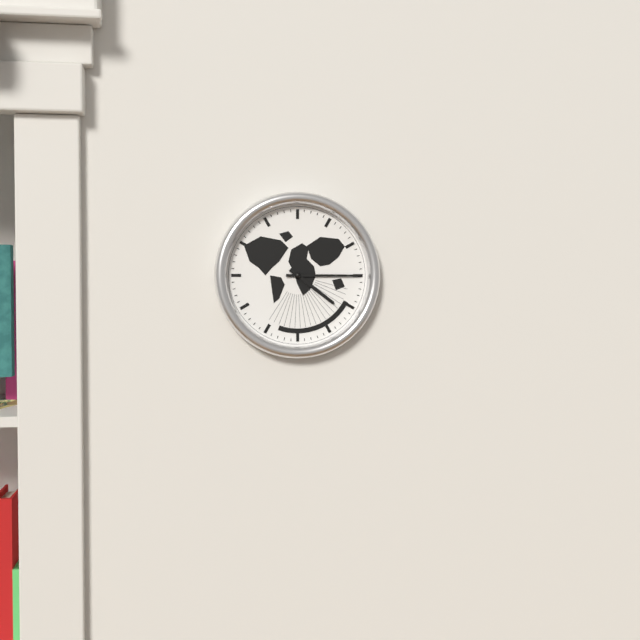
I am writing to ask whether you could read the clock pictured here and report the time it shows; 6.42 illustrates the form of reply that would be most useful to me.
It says 4.15
